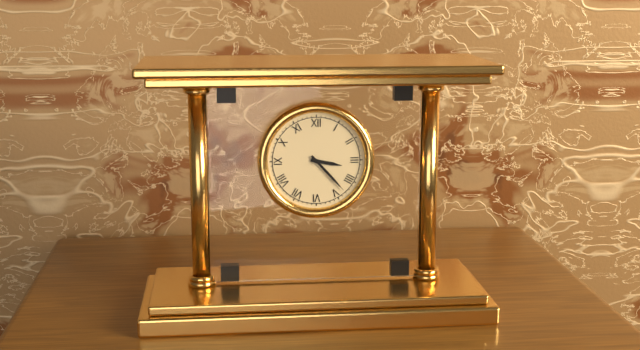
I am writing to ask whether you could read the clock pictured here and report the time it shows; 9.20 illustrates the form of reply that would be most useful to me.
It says 3.23
